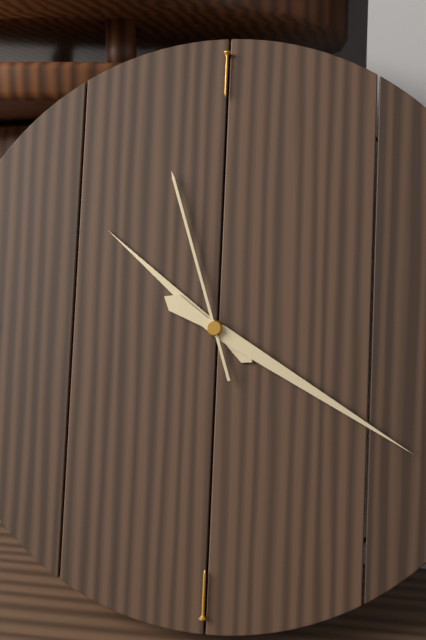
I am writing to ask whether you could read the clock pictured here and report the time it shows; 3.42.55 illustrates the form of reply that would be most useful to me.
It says 10.20.57
